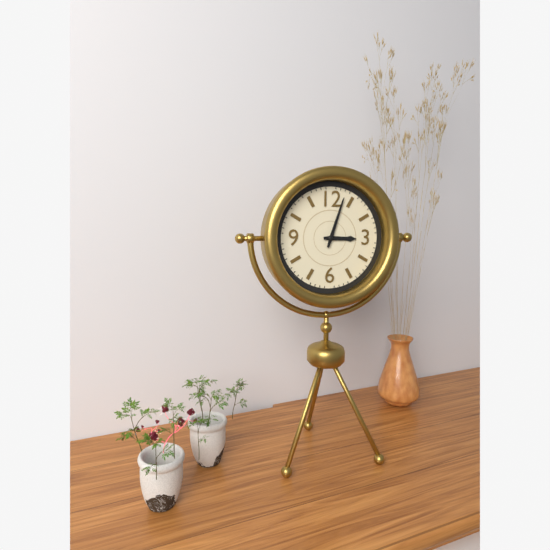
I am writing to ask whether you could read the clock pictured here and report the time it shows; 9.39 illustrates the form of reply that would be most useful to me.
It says 3.03
